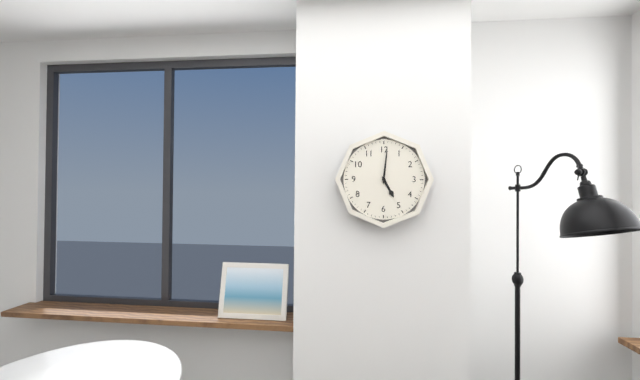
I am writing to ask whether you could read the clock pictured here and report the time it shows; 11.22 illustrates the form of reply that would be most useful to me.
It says 5.01
